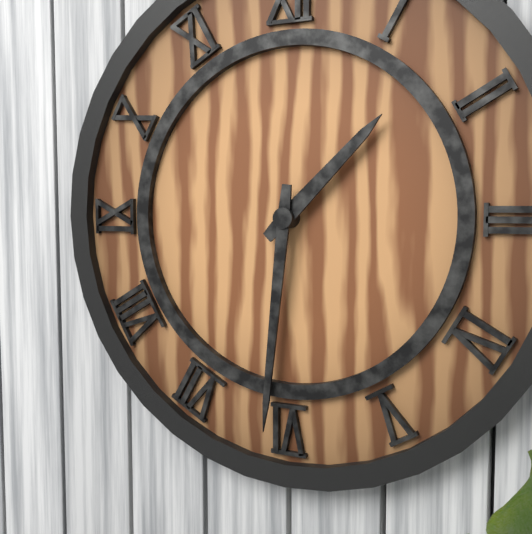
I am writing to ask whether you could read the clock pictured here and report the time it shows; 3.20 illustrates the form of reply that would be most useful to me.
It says 1.31
